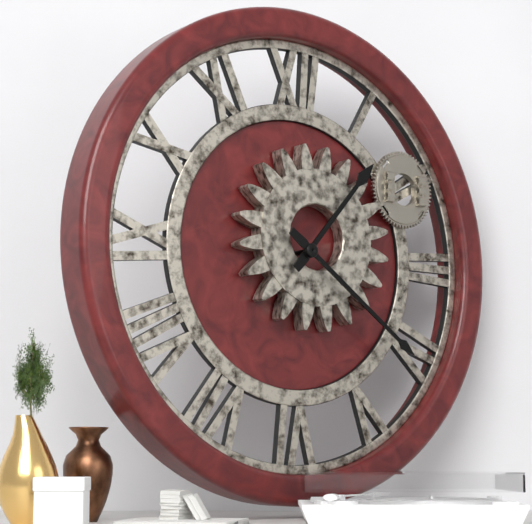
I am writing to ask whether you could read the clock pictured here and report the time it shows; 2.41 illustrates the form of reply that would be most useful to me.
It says 1.21
